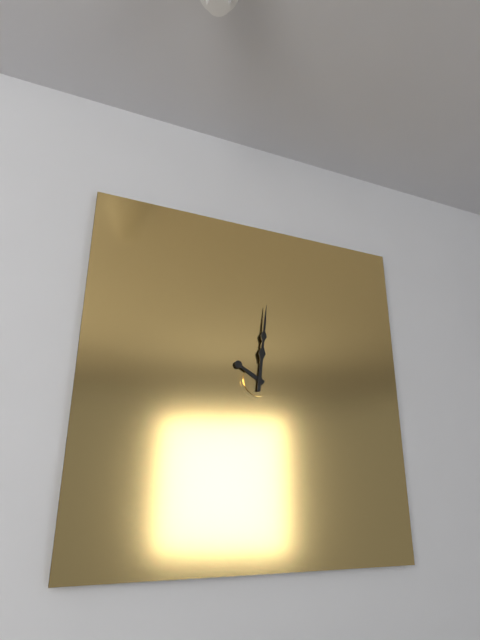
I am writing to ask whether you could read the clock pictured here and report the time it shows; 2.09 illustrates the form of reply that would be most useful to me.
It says 10.01
